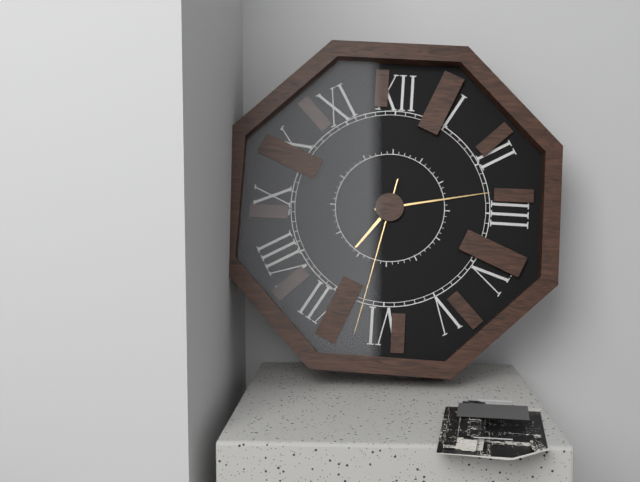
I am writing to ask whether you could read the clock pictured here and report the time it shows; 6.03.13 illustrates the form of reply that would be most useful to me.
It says 7.13.32
